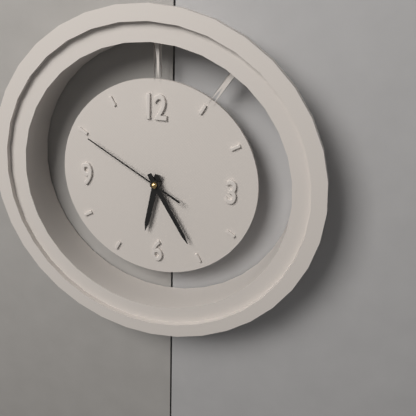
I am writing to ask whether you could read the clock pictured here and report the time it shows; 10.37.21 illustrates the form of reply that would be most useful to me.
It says 6.25.50
